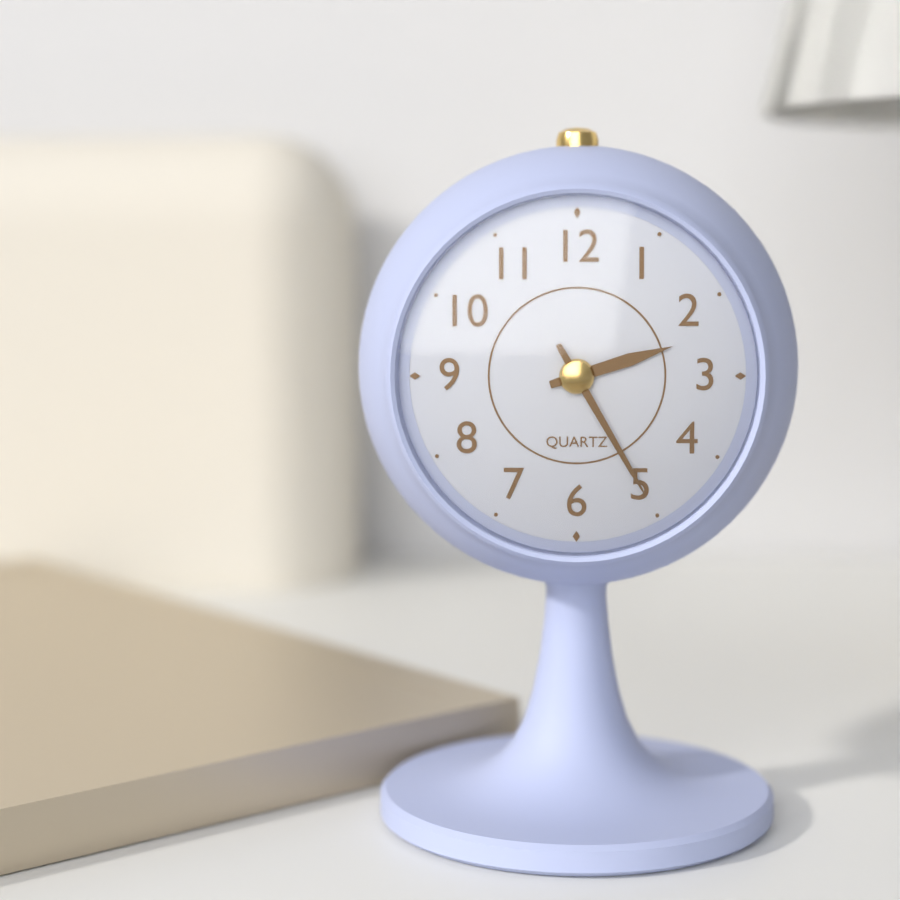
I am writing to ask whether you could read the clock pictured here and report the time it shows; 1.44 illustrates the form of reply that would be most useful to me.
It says 2.25
